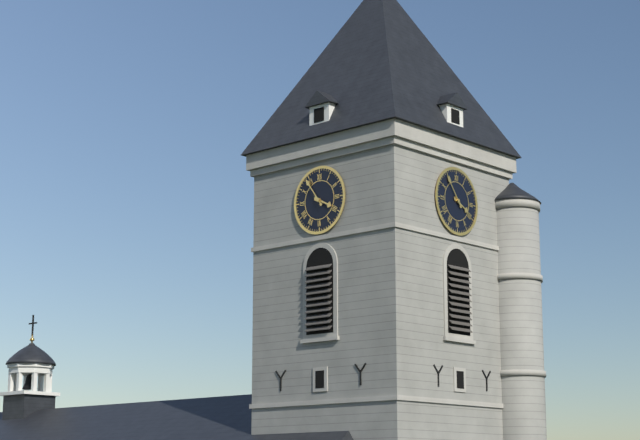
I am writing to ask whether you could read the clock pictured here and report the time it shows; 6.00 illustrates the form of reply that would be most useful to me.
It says 3.54
